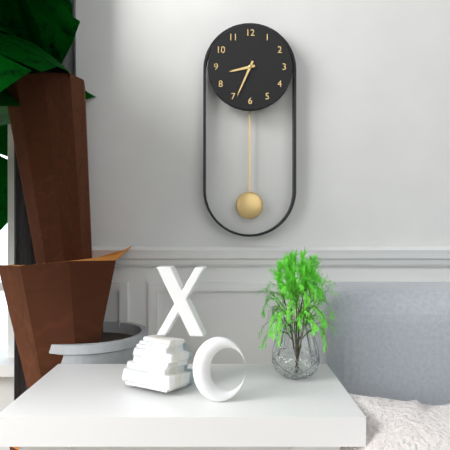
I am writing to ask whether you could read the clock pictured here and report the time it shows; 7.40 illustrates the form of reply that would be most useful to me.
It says 8.34
